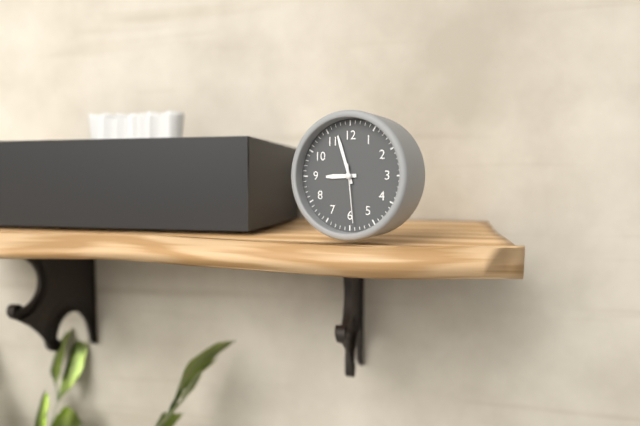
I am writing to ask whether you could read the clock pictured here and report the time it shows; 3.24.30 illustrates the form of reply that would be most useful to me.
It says 8.57.29
